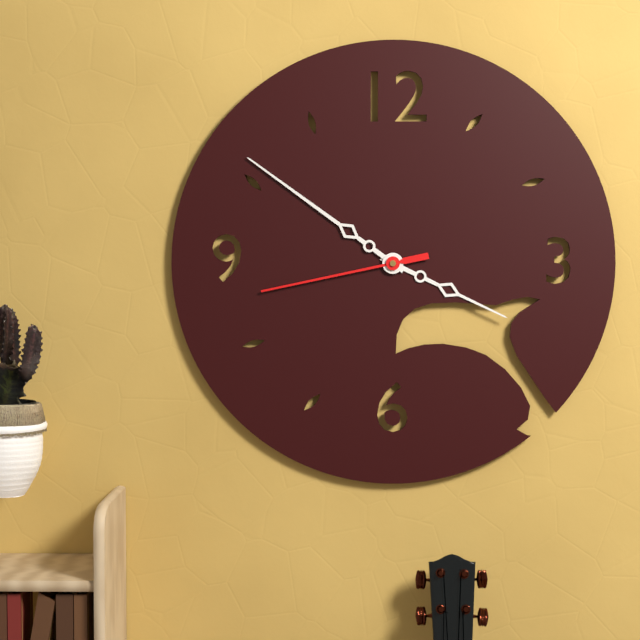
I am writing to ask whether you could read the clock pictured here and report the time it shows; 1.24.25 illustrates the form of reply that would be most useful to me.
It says 3.51.43
